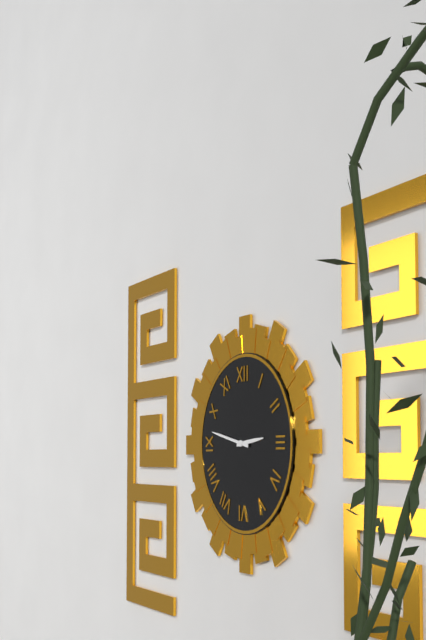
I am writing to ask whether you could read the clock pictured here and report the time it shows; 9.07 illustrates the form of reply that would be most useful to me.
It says 2.47
